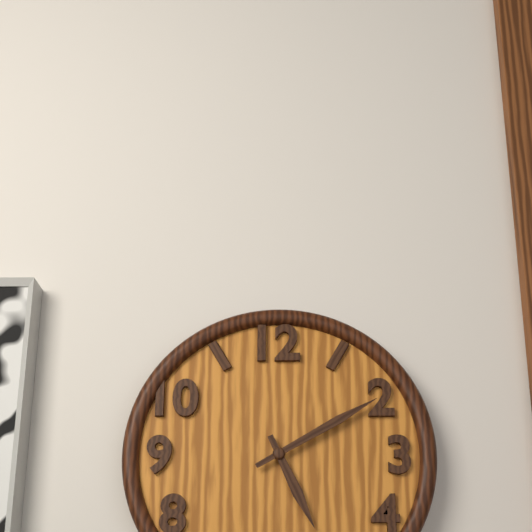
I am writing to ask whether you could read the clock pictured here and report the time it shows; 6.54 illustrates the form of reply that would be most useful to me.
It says 5.10
